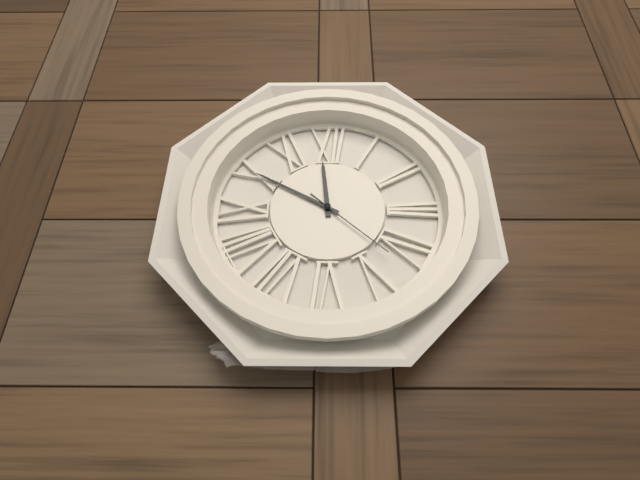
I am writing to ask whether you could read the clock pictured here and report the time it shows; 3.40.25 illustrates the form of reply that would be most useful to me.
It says 11.50.22
